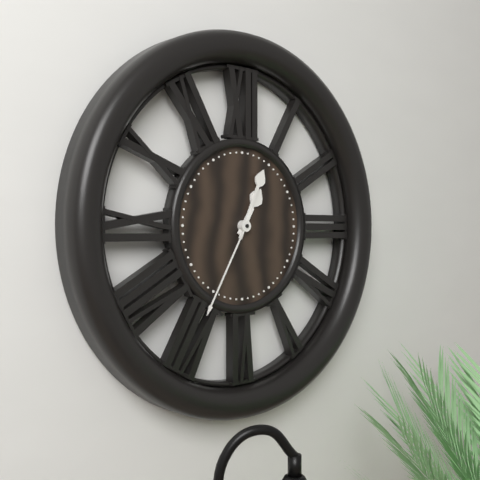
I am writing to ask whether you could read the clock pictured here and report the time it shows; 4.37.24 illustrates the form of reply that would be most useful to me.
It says 1.04.35
